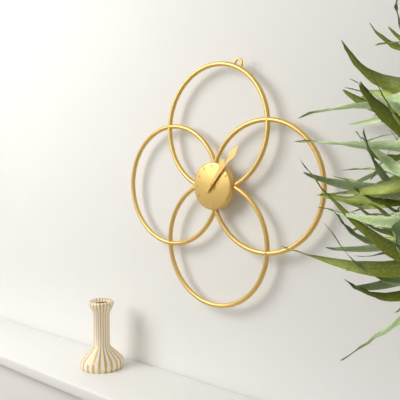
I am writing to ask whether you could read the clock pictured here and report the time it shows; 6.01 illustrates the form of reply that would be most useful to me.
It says 1.07
